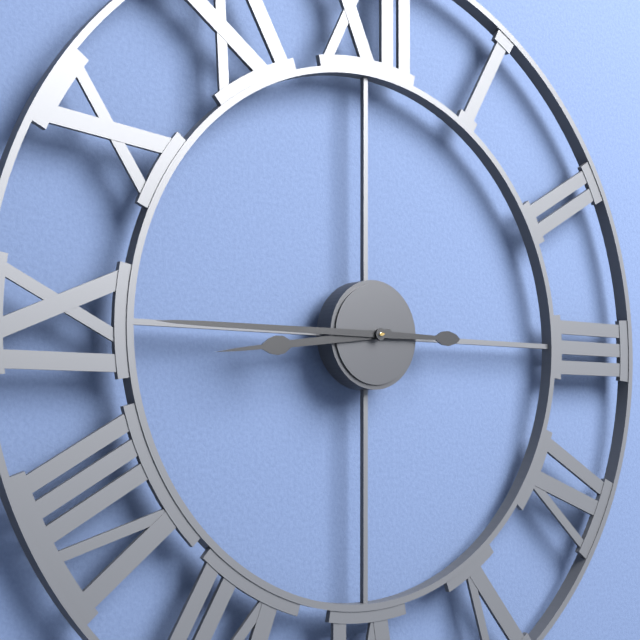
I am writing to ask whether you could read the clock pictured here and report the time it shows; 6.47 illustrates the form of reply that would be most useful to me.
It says 8.45
